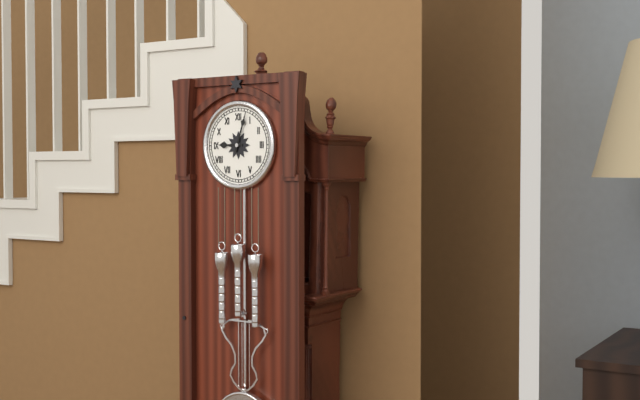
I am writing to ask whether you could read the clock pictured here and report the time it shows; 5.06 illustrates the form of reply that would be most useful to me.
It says 9.03
